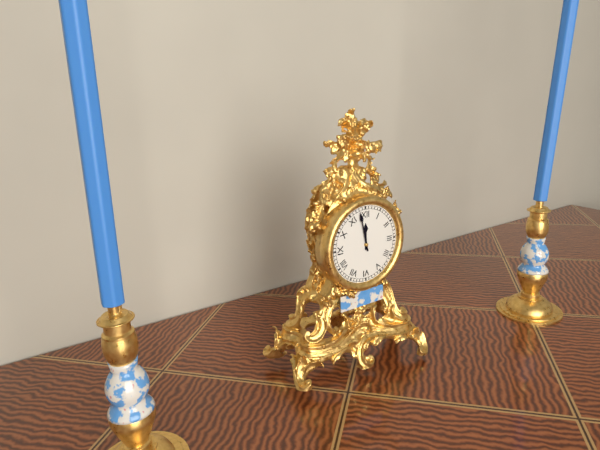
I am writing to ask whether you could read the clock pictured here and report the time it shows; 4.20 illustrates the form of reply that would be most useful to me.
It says 11.58
